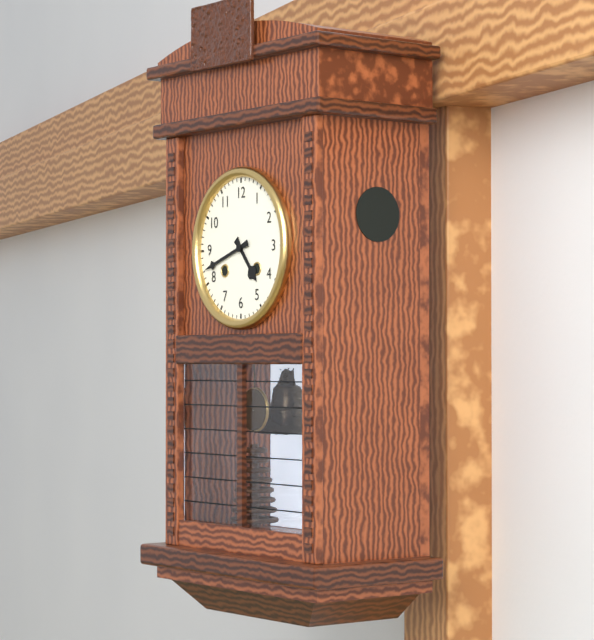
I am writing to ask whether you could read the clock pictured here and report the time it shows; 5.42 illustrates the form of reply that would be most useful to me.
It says 4.42
